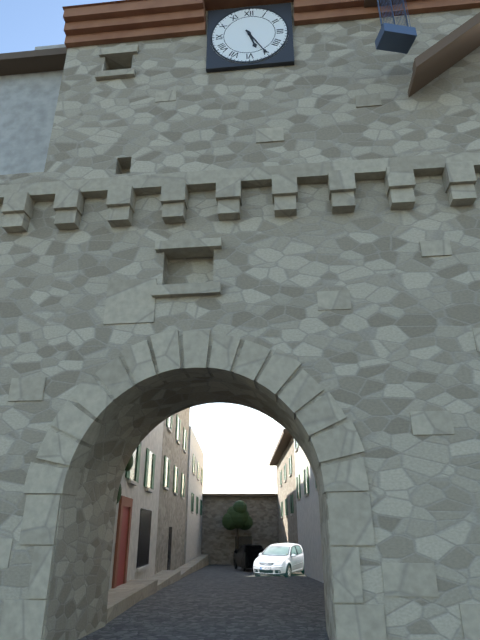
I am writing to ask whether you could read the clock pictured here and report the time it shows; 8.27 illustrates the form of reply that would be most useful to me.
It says 5.25
